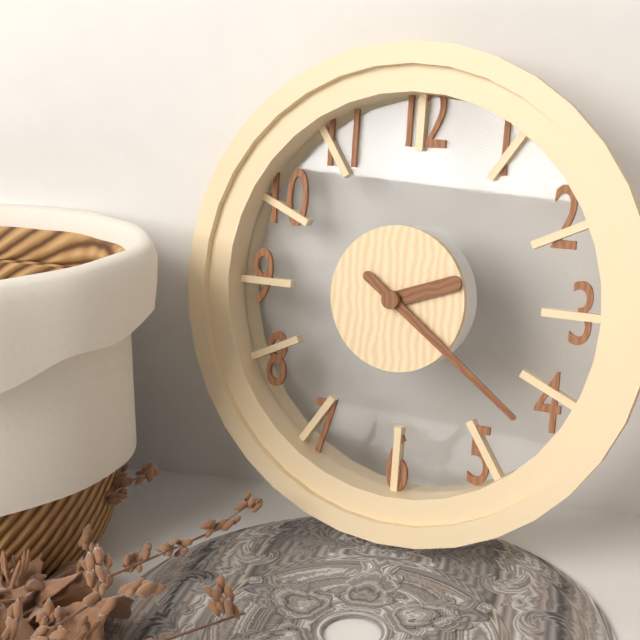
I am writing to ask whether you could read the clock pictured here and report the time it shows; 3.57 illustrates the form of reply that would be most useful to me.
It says 2.21
